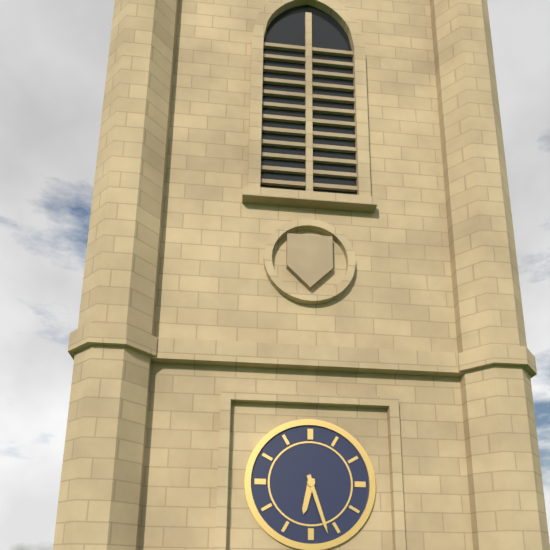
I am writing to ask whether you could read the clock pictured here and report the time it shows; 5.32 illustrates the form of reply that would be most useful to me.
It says 6.27
